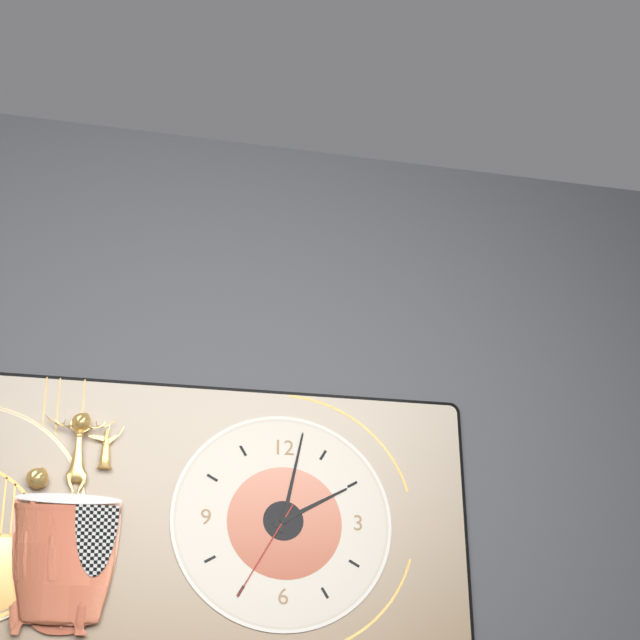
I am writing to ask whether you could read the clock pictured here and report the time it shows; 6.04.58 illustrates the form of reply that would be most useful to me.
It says 2.02.35
